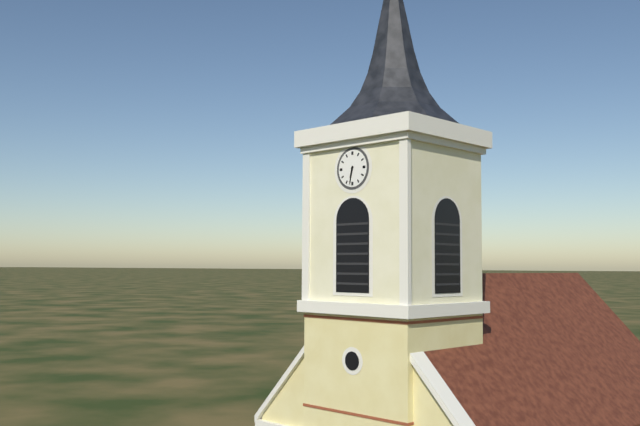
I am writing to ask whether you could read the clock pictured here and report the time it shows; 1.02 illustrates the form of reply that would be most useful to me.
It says 6.32
